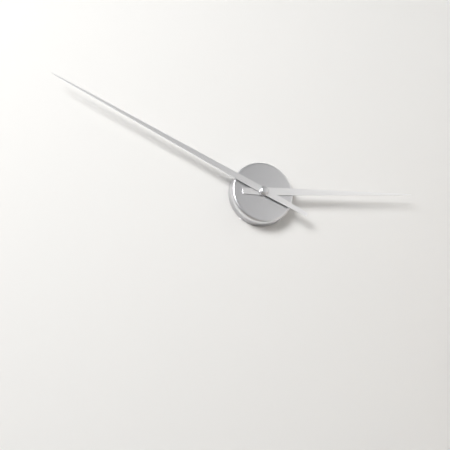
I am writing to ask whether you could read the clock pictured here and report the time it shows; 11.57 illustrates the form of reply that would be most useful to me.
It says 2.49
